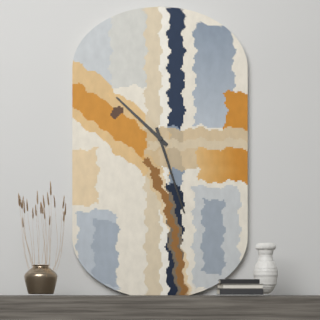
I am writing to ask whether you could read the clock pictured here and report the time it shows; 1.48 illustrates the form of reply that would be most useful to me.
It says 10.27
